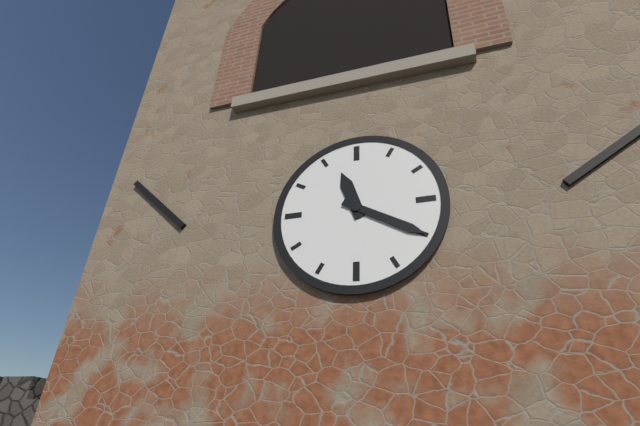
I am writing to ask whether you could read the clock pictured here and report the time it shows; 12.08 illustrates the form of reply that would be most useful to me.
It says 11.20
